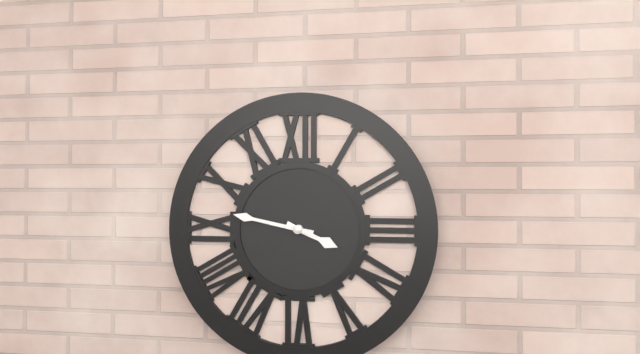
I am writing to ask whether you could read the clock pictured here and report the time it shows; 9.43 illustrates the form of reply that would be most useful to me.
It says 3.47
